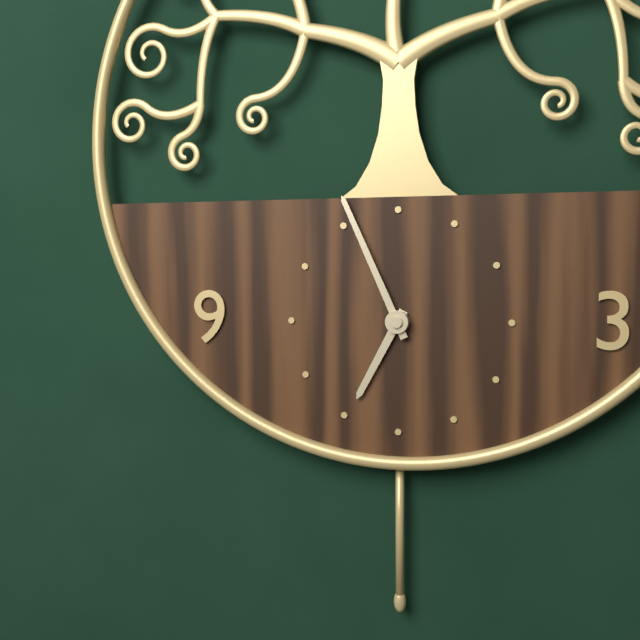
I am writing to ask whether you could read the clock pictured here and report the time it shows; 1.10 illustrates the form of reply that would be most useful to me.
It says 6.56
